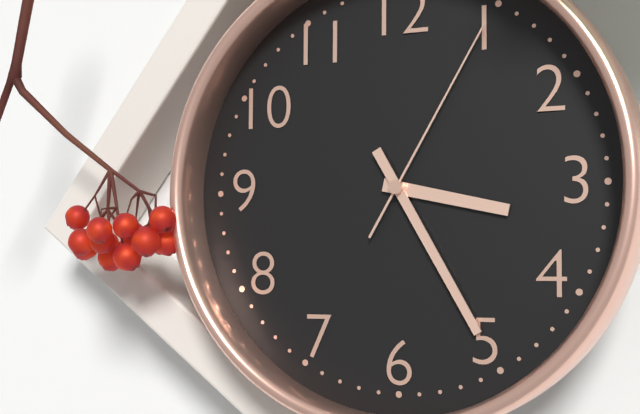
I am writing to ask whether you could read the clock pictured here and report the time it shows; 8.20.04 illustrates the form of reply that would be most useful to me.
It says 3.25.05
